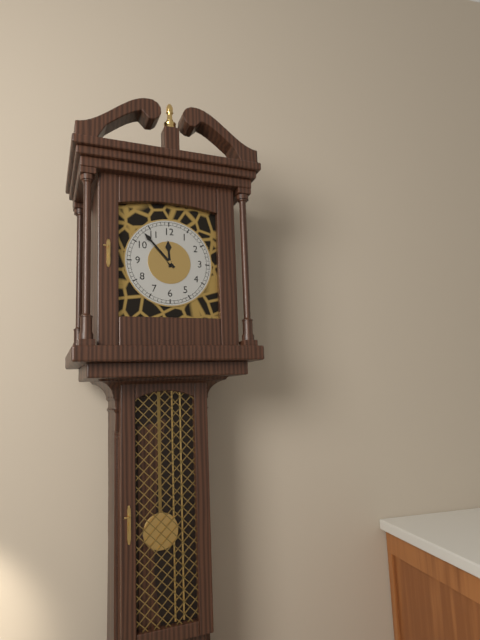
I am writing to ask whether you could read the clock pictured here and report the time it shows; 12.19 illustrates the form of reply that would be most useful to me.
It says 11.53
